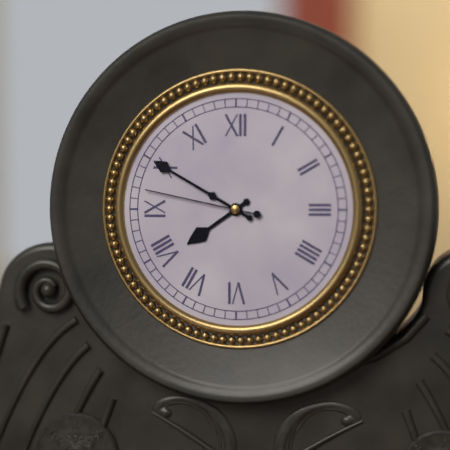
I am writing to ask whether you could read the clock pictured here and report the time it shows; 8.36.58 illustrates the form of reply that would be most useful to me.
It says 7.50.47
